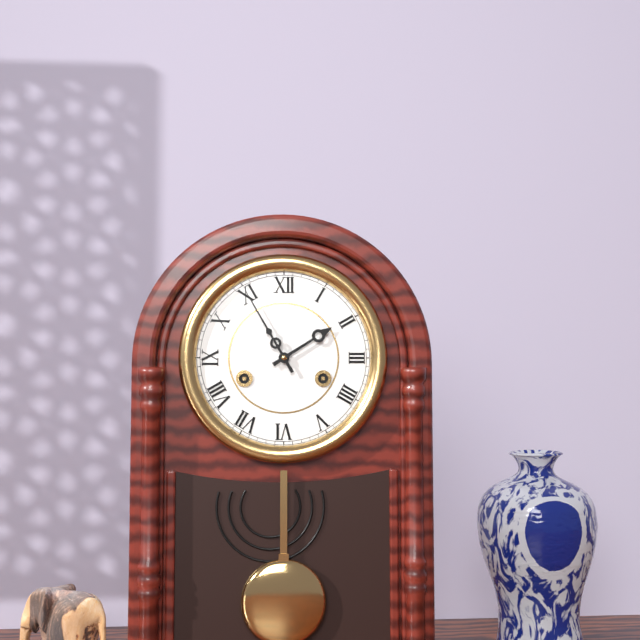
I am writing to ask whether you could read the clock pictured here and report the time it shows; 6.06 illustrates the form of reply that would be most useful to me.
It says 1.55
